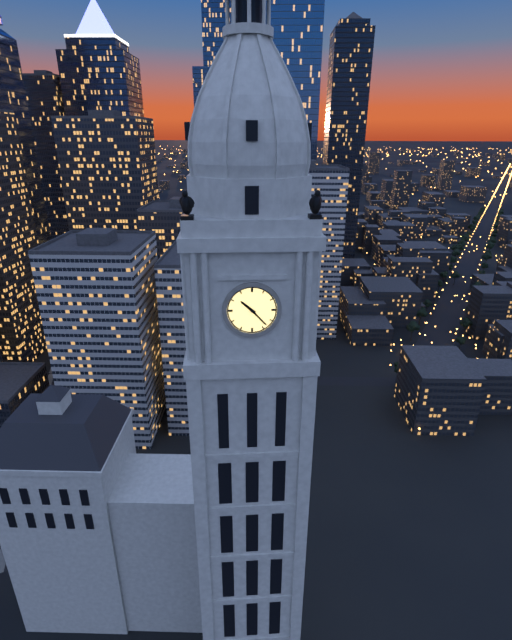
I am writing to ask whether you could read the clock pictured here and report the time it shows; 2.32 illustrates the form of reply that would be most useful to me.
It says 10.23
